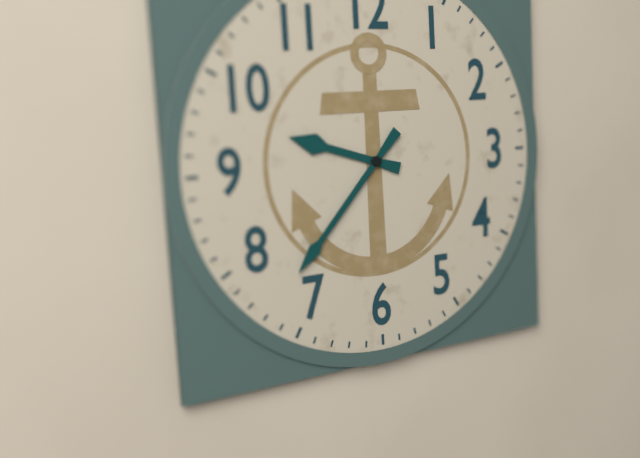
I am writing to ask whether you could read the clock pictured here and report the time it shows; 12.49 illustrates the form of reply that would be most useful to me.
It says 9.37
